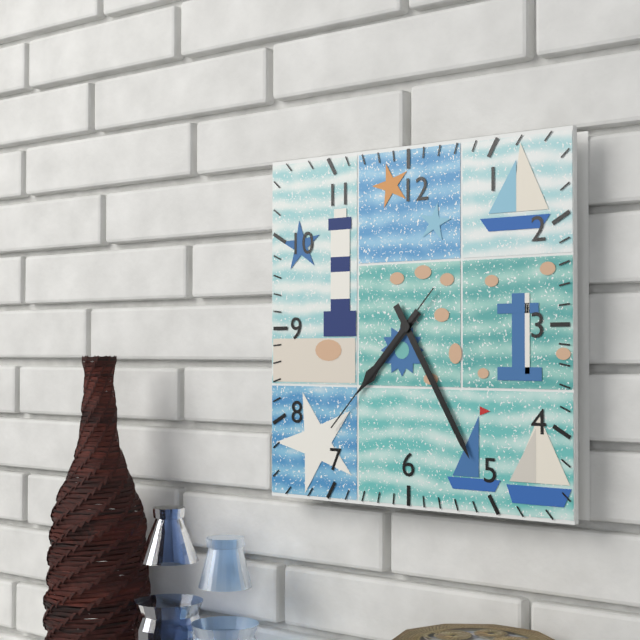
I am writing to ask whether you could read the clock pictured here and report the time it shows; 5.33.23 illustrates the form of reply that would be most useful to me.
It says 7.25.37
